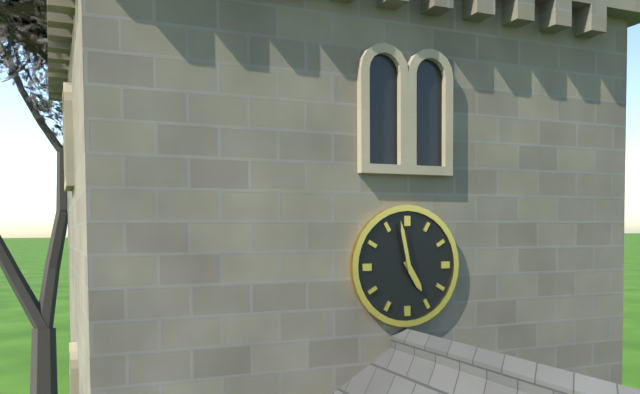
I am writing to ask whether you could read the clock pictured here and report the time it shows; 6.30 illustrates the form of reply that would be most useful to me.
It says 4.58
